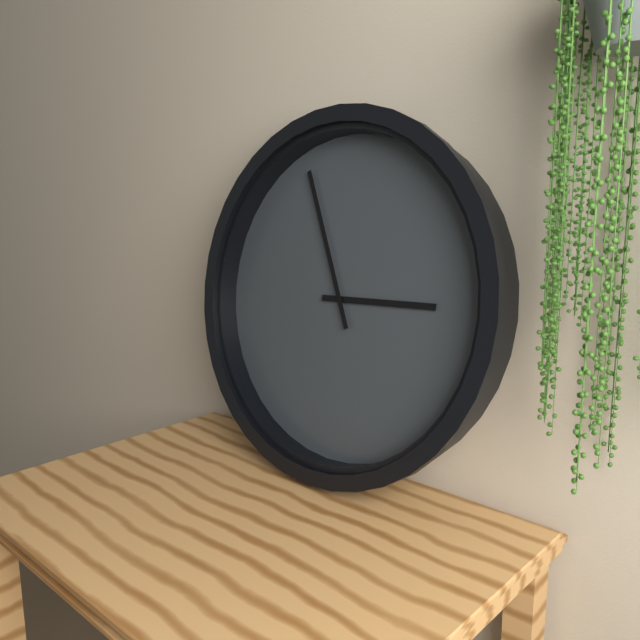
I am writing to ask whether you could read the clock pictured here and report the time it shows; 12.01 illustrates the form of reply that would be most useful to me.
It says 2.56
